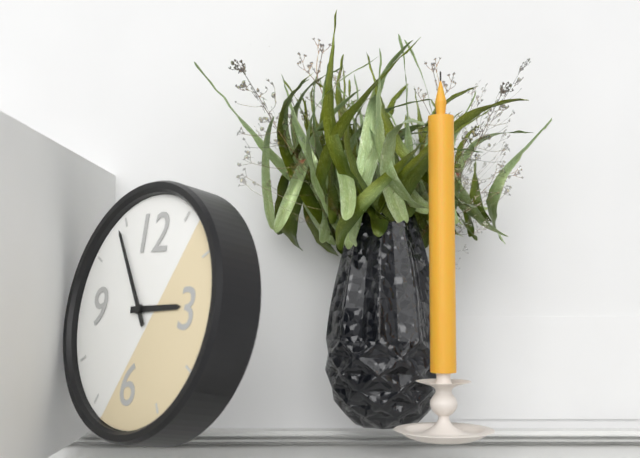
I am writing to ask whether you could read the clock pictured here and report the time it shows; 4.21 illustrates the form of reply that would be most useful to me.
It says 2.54
